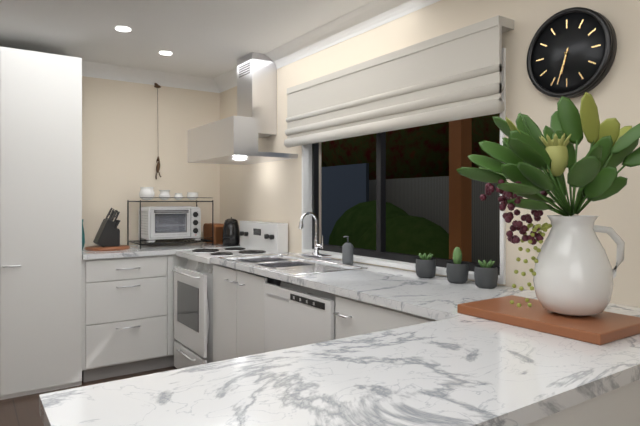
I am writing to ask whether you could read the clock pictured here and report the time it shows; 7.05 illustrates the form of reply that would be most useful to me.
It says 6.33
